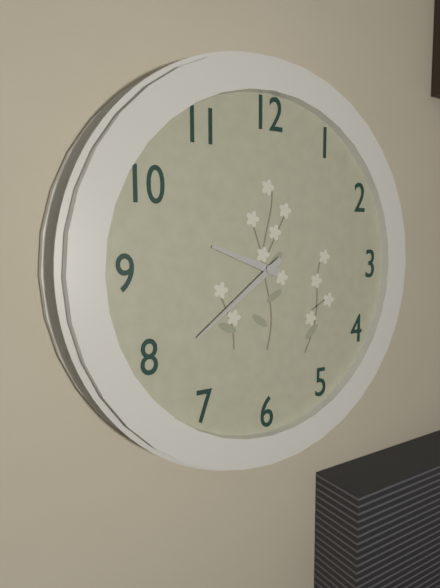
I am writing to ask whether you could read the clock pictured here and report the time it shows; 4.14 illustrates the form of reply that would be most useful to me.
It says 9.39
